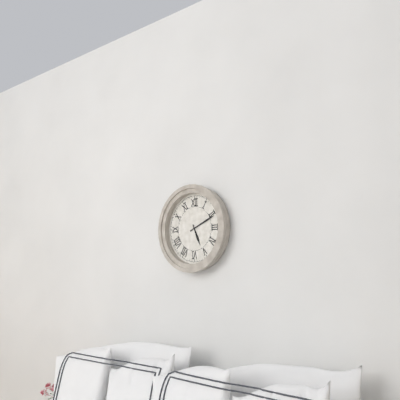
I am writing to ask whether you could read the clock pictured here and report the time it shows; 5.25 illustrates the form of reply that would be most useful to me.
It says 5.11
